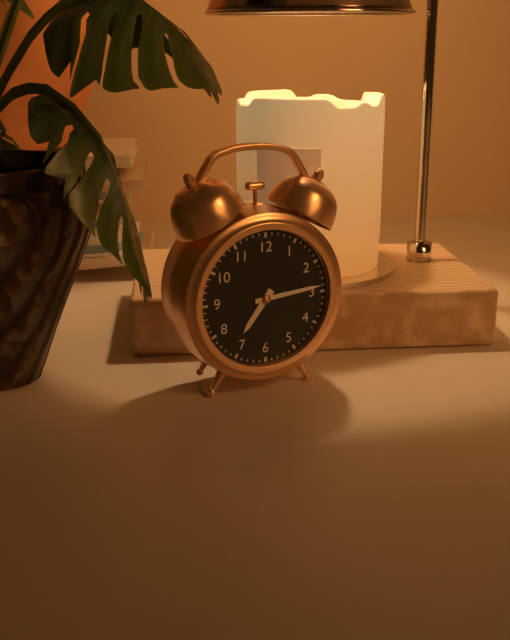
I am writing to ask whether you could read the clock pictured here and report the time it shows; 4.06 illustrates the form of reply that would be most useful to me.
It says 7.14
